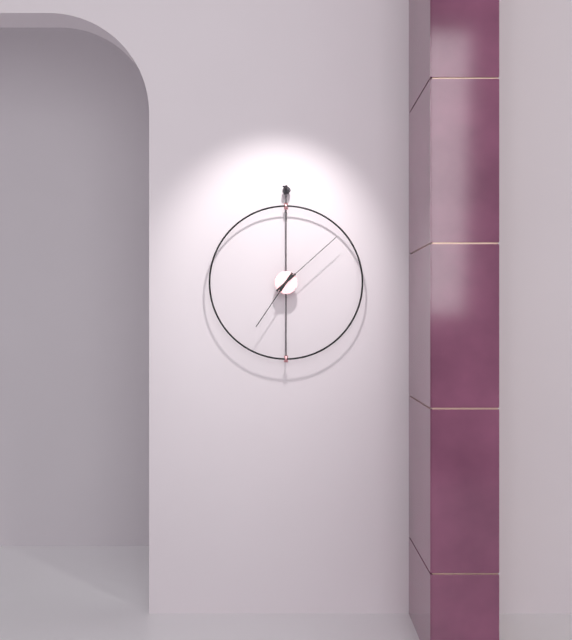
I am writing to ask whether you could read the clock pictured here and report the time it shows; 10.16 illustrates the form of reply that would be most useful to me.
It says 7.08
